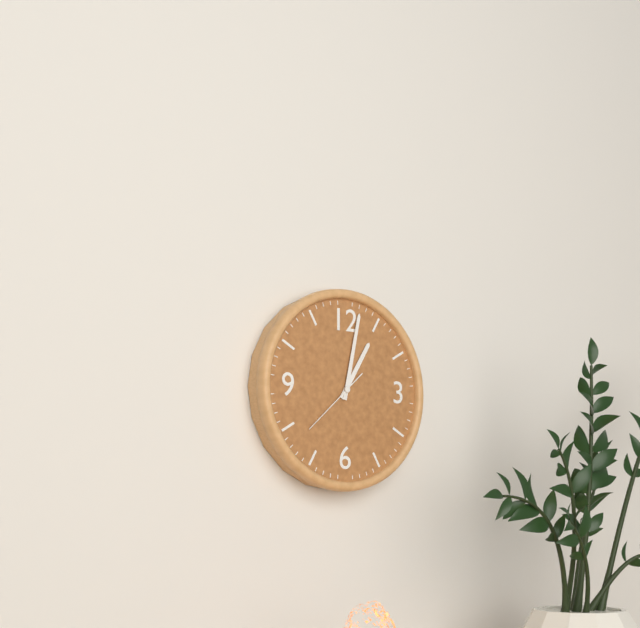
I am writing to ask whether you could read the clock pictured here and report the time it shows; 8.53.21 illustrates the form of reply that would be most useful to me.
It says 1.02.38
